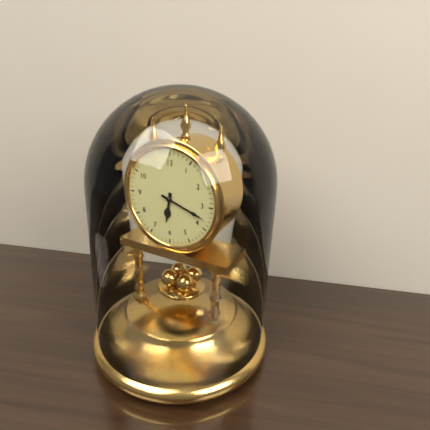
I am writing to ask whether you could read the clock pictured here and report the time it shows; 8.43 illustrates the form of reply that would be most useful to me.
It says 6.18
